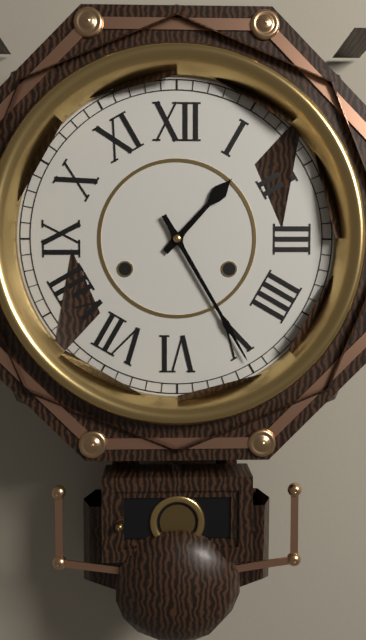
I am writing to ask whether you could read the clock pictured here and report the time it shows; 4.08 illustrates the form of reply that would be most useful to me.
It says 1.25
